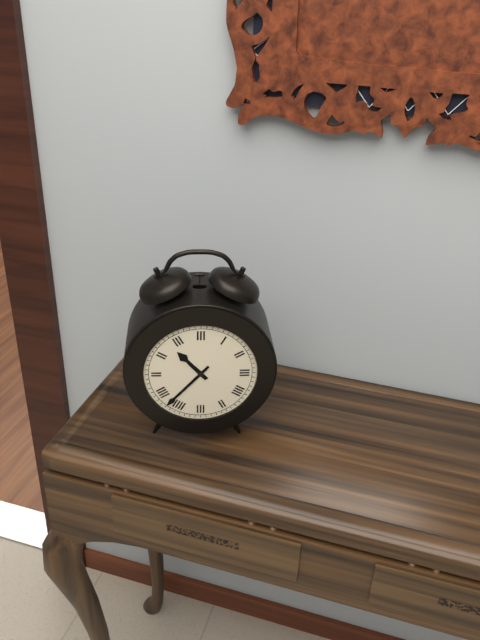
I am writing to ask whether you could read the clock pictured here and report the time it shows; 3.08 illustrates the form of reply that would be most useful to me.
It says 10.37
